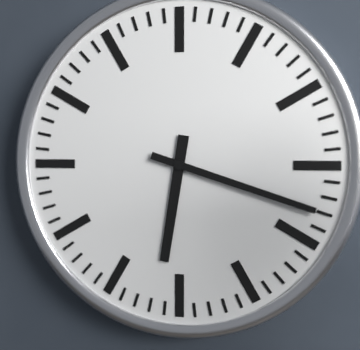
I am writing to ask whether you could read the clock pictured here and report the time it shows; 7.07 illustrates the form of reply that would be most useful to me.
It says 6.18
